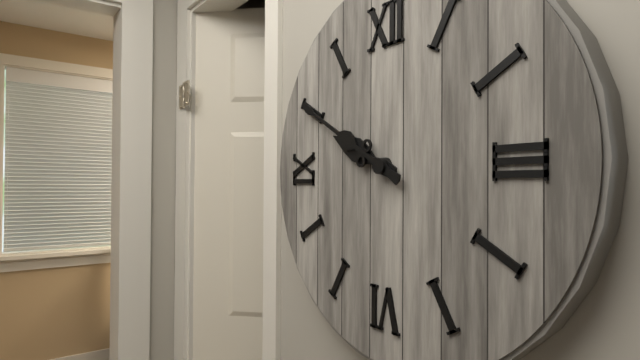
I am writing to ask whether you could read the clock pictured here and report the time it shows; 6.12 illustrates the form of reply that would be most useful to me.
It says 9.50
